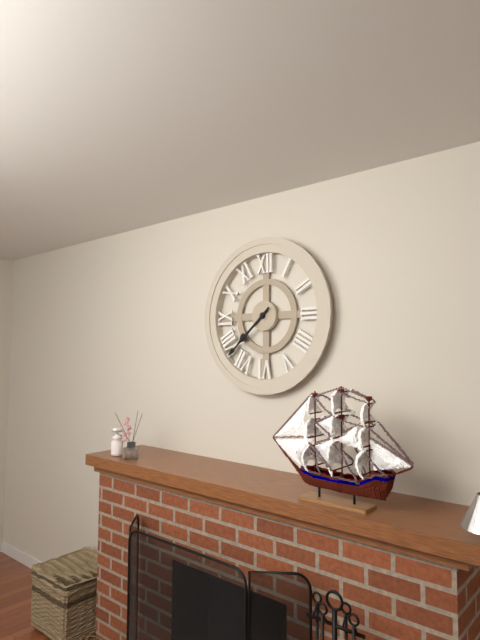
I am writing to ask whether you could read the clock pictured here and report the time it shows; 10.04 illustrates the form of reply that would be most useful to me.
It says 7.38
